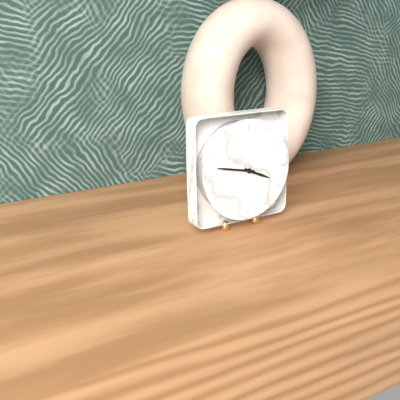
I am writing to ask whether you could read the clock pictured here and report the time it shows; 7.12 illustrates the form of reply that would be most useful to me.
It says 3.47
